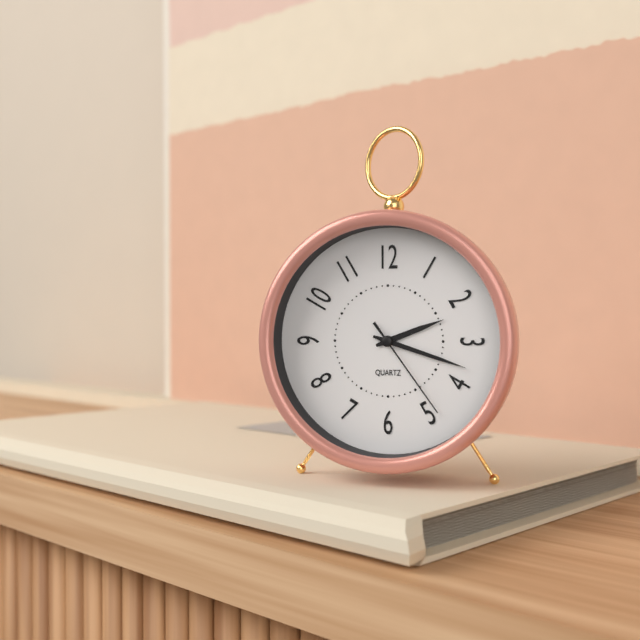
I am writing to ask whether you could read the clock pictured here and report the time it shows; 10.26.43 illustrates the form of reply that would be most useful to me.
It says 2.18.24
